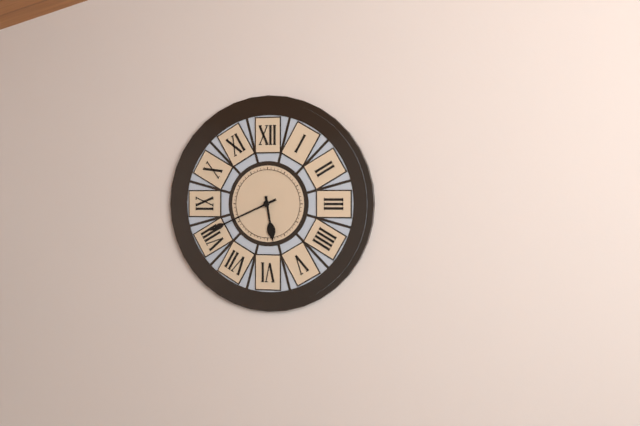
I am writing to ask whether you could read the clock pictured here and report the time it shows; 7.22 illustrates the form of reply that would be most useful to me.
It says 5.41
